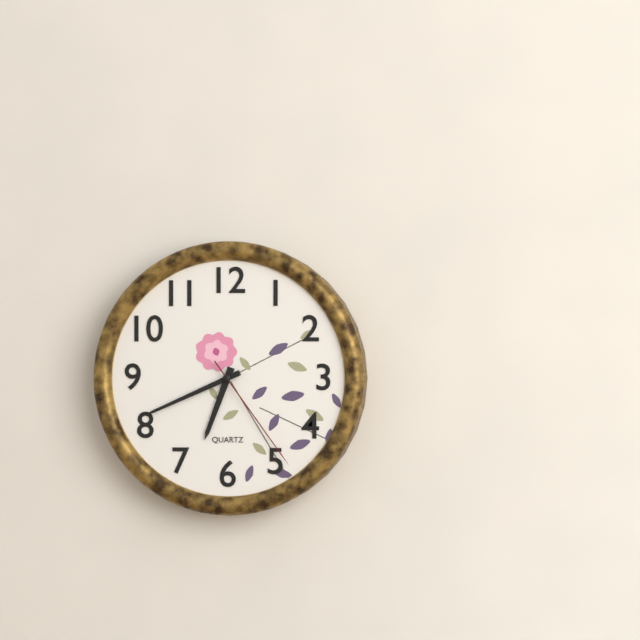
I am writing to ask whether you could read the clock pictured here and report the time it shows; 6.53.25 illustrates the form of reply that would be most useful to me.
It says 6.41.24
